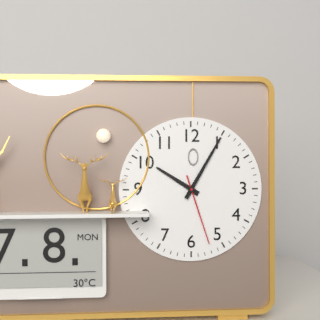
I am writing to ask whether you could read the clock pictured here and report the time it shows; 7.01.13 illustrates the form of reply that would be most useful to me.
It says 10.05.27
